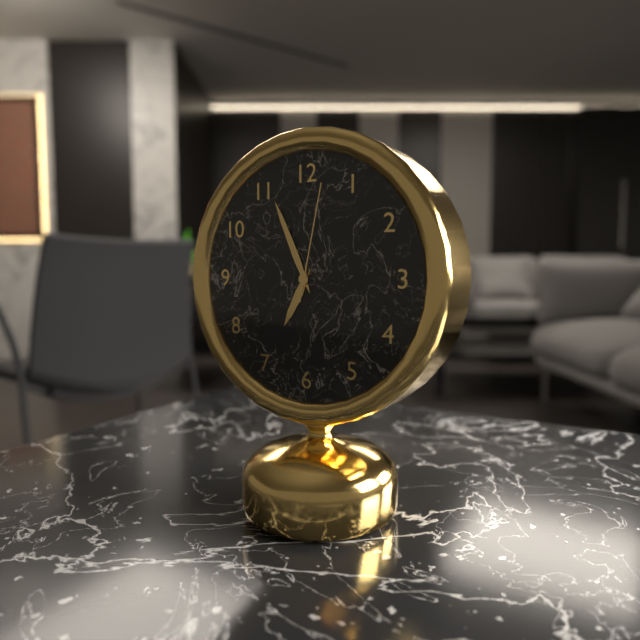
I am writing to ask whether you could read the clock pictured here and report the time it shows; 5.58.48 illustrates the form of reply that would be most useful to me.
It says 6.56.02
